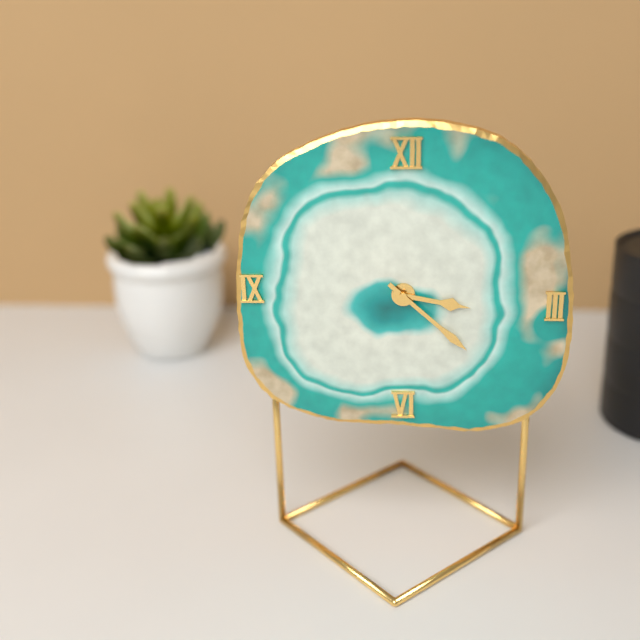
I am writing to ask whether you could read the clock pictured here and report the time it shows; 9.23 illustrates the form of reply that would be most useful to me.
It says 3.22
